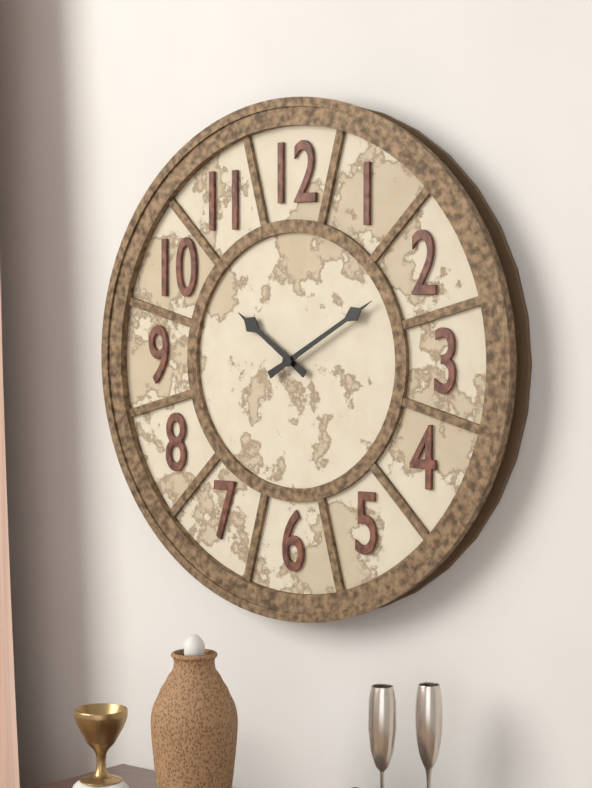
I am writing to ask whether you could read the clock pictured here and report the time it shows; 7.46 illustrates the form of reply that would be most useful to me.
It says 10.10
